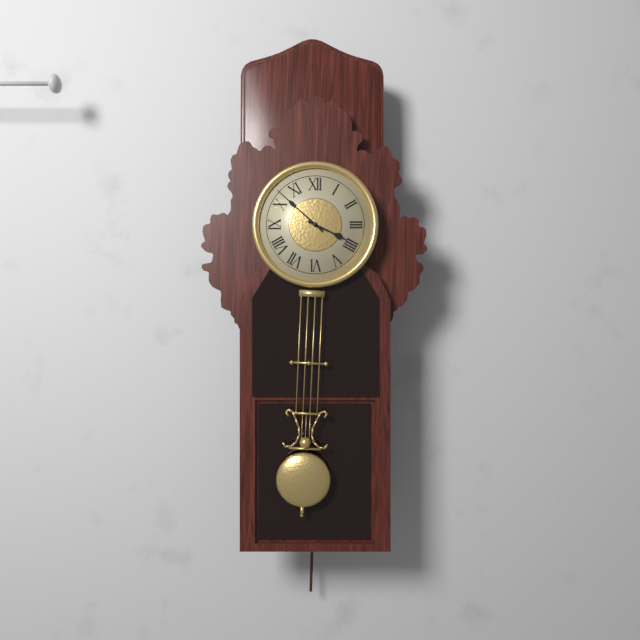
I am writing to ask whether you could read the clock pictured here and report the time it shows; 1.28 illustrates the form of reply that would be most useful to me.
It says 3.52
